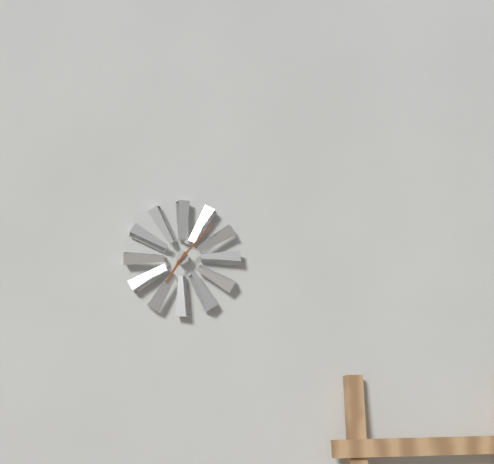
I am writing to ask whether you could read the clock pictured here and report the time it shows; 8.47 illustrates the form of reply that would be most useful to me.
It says 7.07
